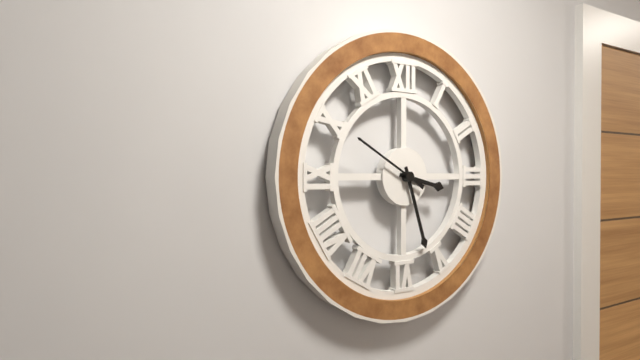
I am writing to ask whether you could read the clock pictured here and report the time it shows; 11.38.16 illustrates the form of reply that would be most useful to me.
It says 3.27.50
